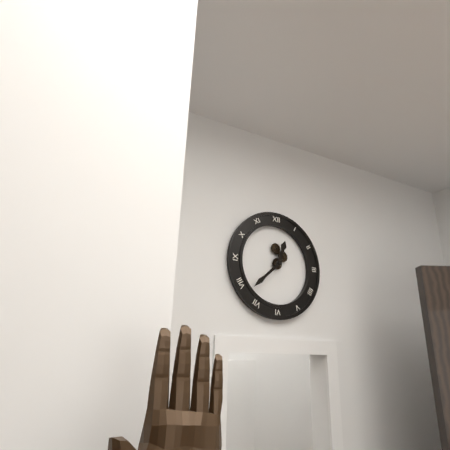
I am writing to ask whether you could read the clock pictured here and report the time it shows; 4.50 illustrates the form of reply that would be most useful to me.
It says 12.38
